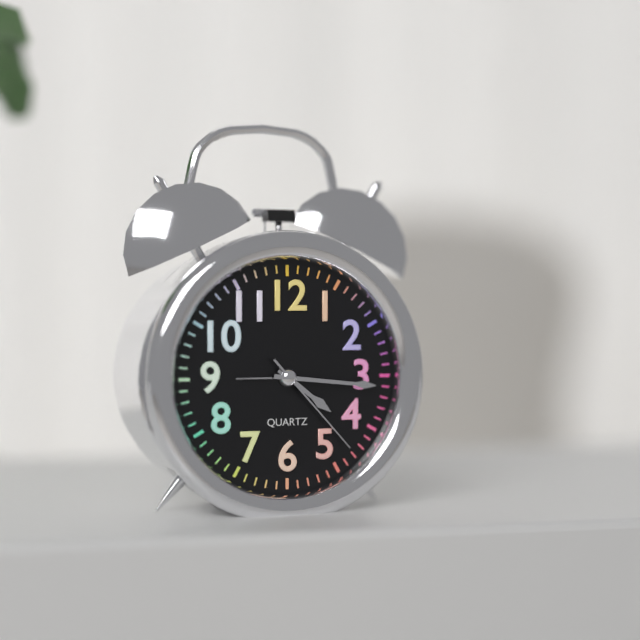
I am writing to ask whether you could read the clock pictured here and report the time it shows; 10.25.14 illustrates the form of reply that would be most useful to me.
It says 4.16.23
